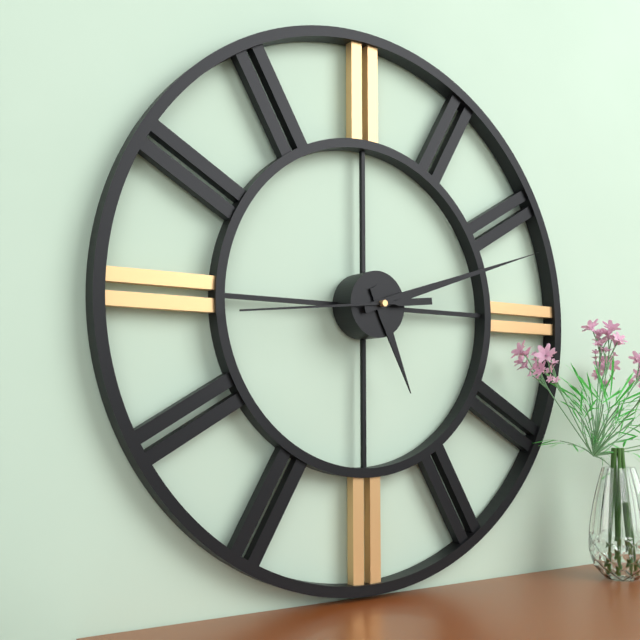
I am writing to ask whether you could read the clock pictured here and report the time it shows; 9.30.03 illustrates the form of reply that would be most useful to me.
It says 5.12.44
